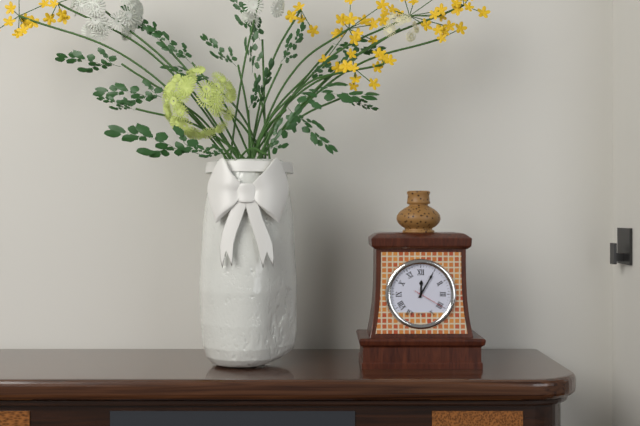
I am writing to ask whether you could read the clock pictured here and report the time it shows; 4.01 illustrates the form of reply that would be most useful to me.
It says 12.05
